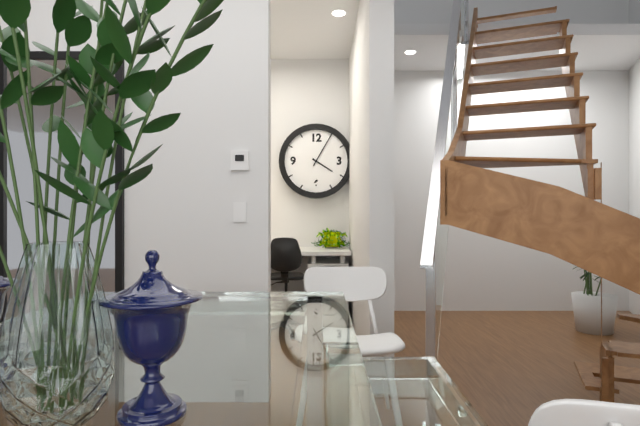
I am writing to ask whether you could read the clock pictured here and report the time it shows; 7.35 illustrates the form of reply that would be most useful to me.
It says 4.05
